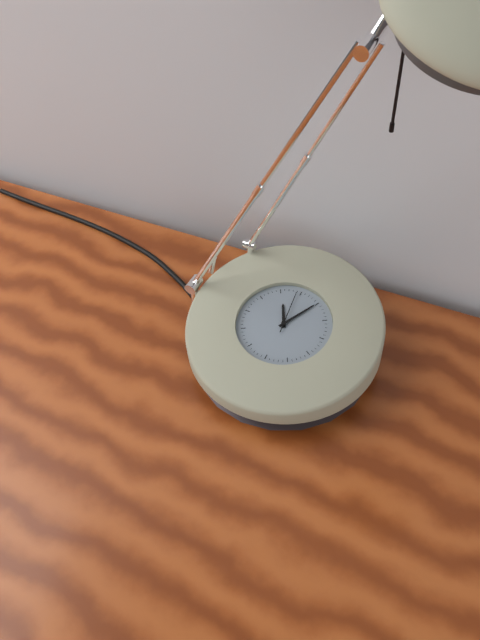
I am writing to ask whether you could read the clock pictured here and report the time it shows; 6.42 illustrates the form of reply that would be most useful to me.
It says 11.05
